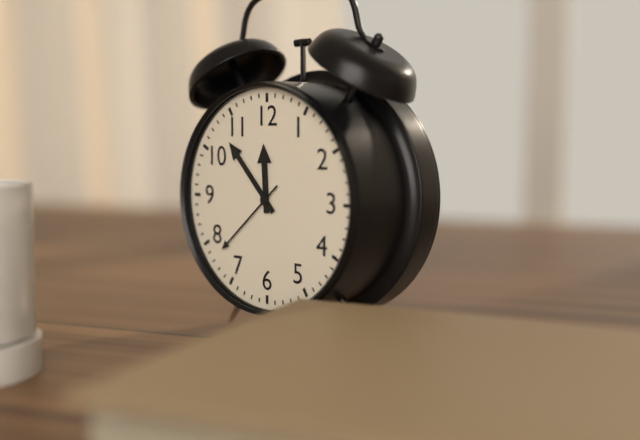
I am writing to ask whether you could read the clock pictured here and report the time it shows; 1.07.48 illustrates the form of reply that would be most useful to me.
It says 11.53.38
